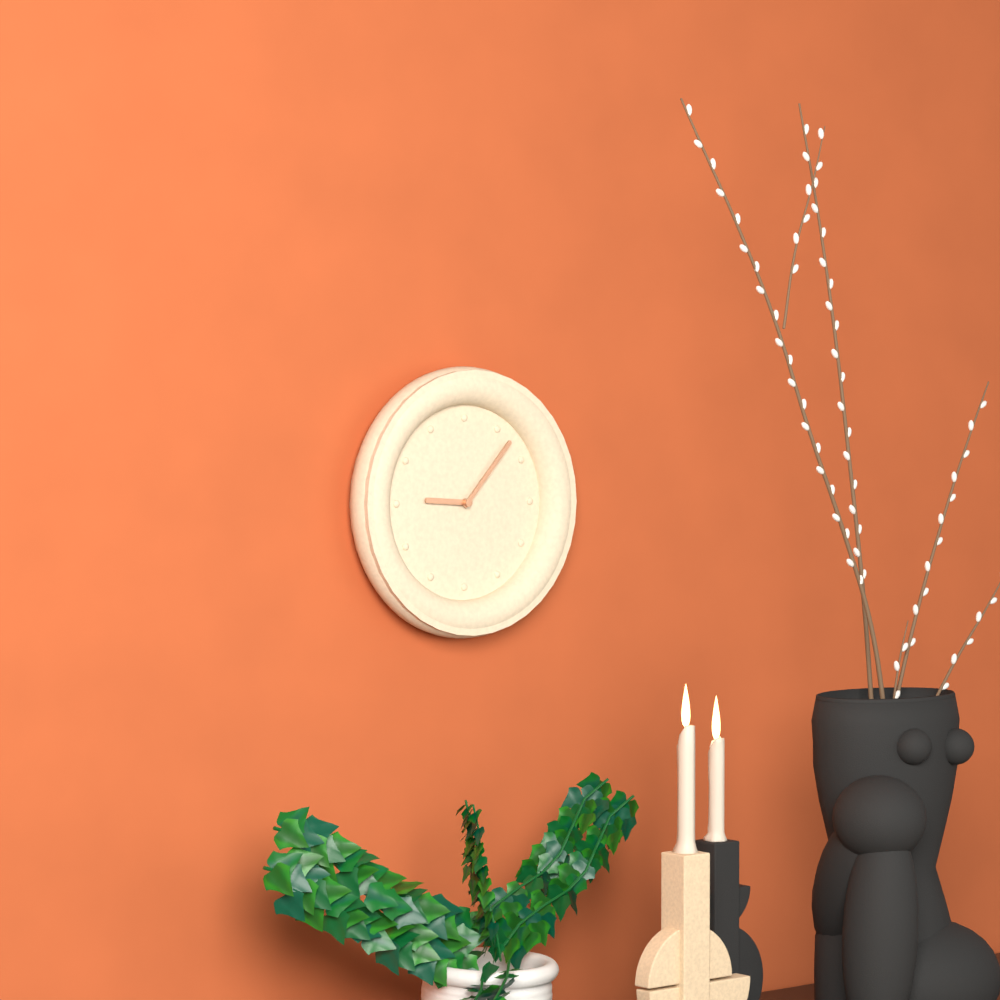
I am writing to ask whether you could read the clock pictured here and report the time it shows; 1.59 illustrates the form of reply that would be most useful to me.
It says 9.07
